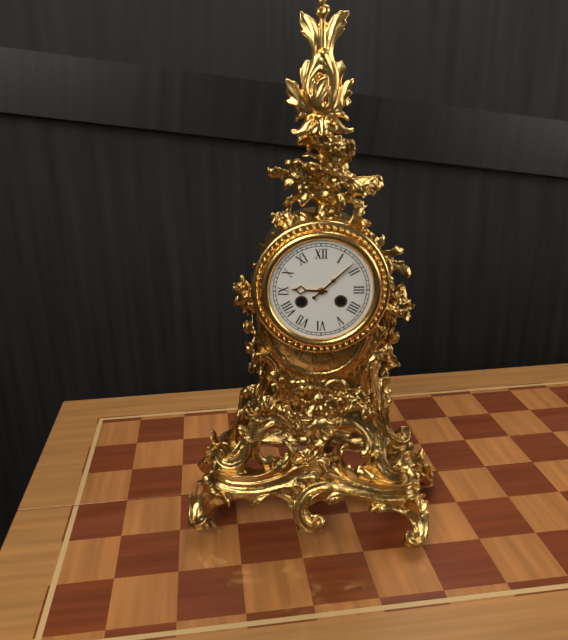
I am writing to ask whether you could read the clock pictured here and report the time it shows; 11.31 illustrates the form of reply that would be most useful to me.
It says 9.08
